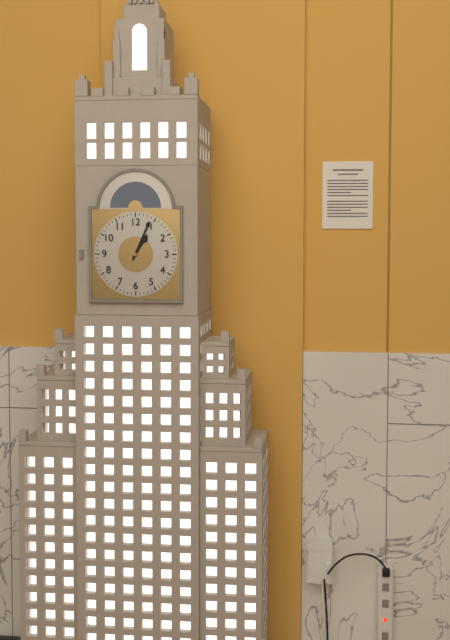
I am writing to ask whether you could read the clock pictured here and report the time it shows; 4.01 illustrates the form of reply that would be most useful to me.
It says 1.04
